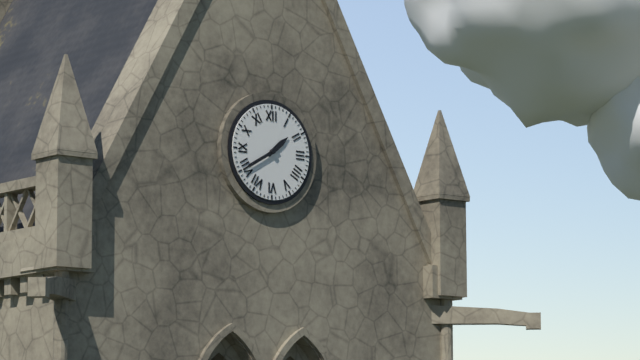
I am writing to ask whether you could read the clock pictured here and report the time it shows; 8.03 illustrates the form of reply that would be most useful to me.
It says 1.40
